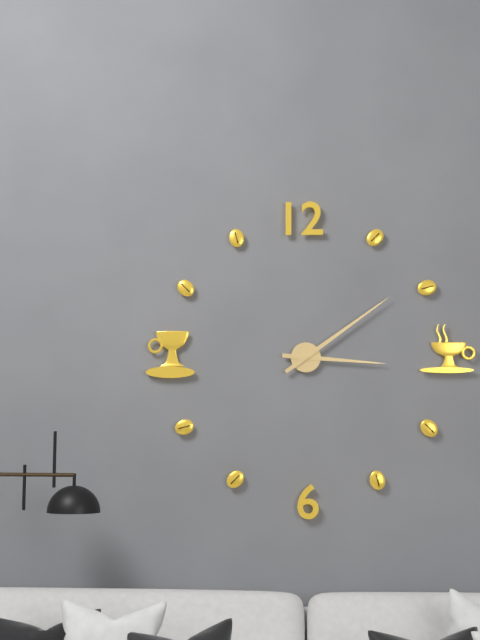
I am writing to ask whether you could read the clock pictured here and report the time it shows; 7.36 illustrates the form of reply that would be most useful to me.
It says 3.09
